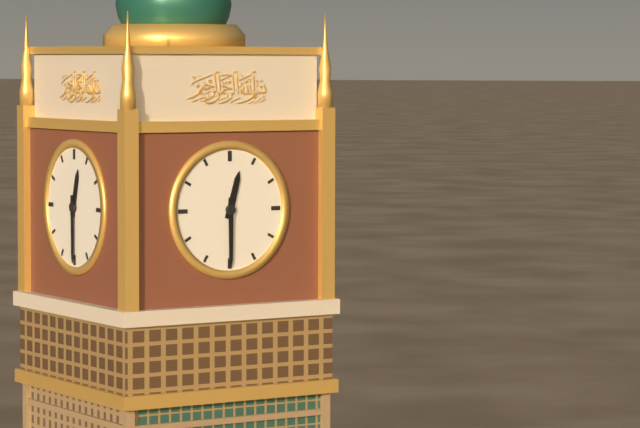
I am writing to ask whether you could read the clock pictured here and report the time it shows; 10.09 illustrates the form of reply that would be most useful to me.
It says 12.30
